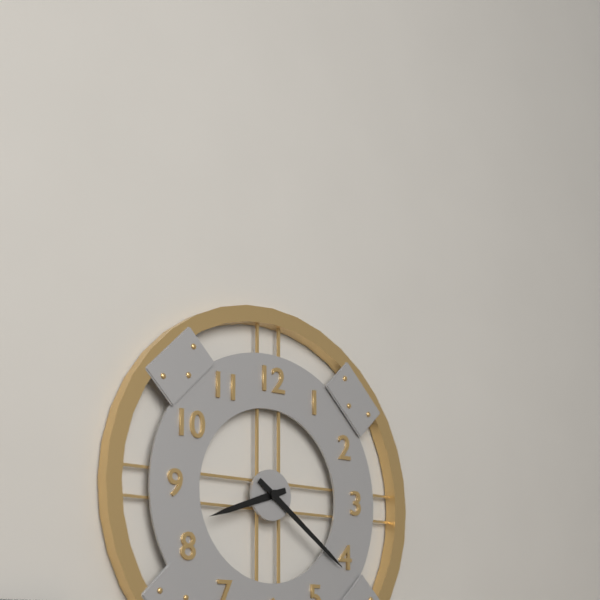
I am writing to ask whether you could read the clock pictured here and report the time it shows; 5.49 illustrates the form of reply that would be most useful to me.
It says 8.21
